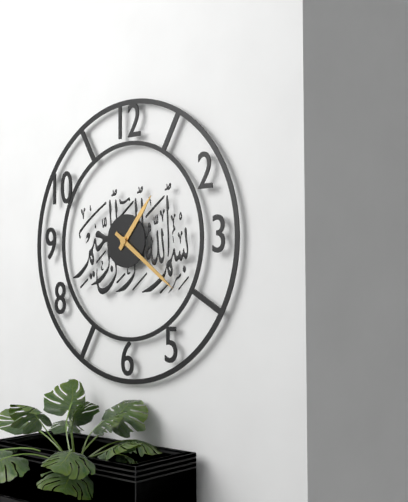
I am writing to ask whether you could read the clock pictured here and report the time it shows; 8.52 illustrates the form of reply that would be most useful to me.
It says 1.21
